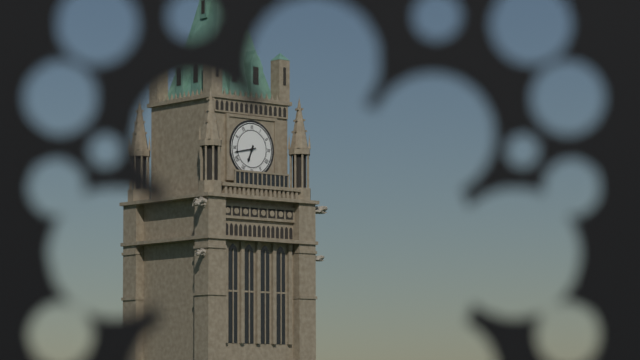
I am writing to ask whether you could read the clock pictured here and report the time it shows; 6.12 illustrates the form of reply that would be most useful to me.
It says 6.43
